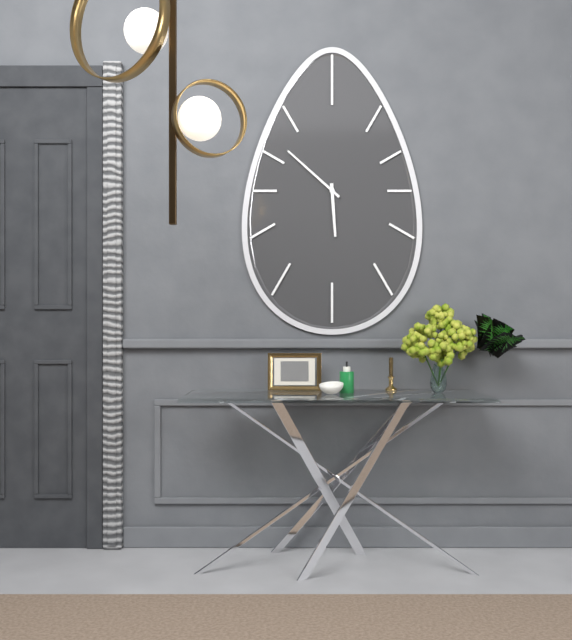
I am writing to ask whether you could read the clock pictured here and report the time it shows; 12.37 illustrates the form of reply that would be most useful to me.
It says 5.52
